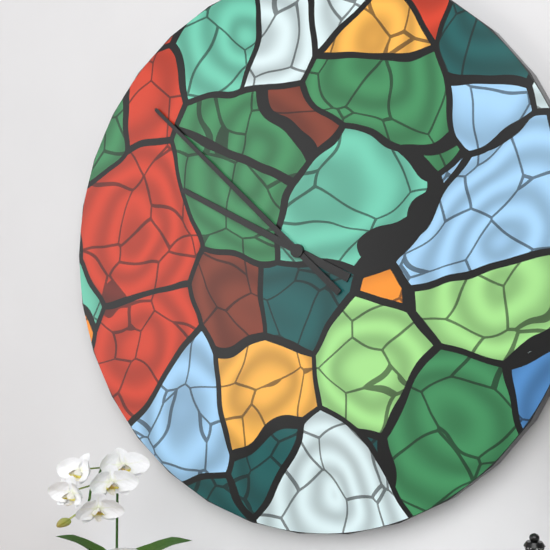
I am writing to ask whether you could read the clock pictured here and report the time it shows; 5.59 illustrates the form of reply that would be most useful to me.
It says 9.52
